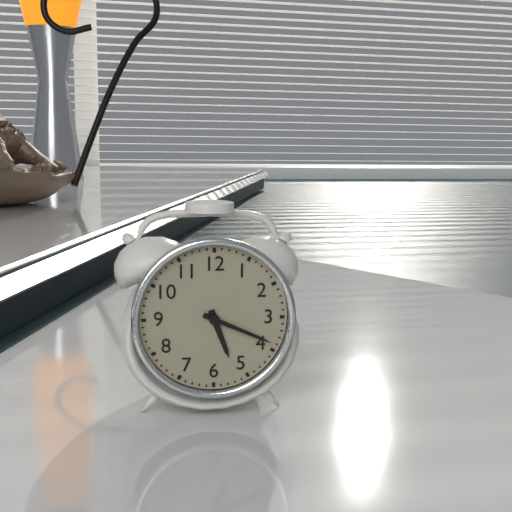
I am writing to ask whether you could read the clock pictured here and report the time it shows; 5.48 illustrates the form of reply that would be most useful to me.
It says 5.19
